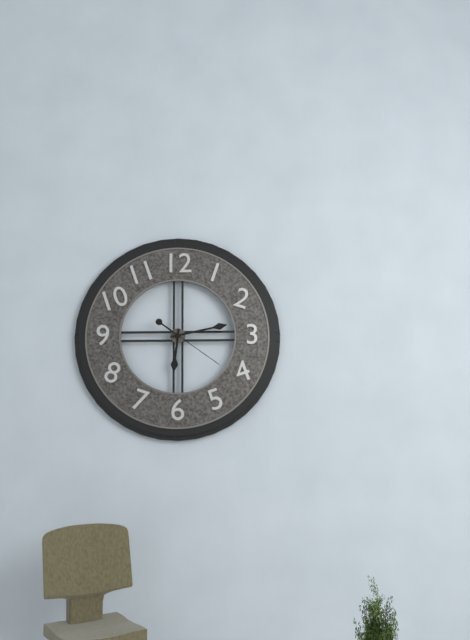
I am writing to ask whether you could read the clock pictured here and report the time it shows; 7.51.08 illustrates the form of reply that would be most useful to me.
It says 6.13.21
